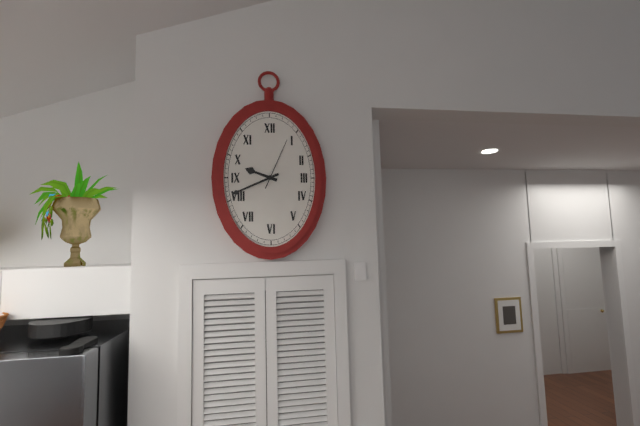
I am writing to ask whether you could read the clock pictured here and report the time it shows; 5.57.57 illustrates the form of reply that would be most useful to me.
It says 9.41.04
